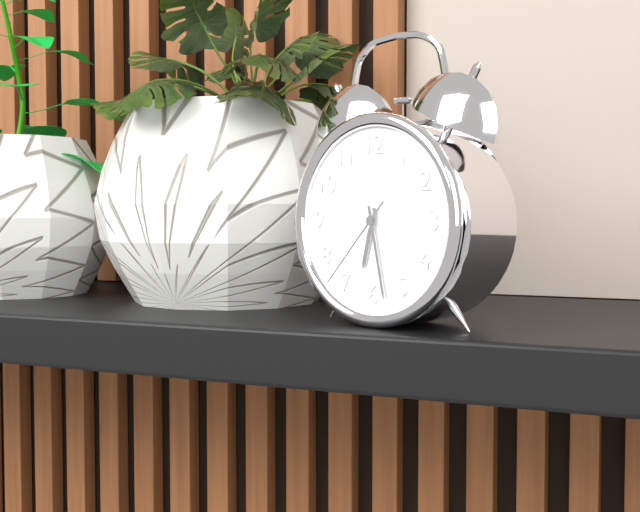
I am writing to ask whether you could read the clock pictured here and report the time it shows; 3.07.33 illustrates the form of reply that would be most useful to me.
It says 6.28.37
